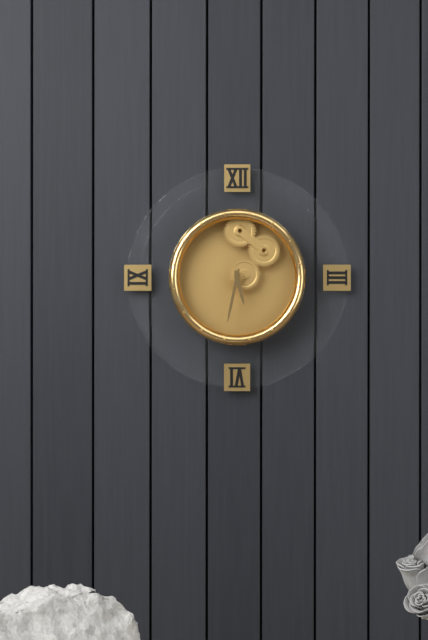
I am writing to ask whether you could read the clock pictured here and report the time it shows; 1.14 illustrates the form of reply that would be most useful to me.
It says 5.32
